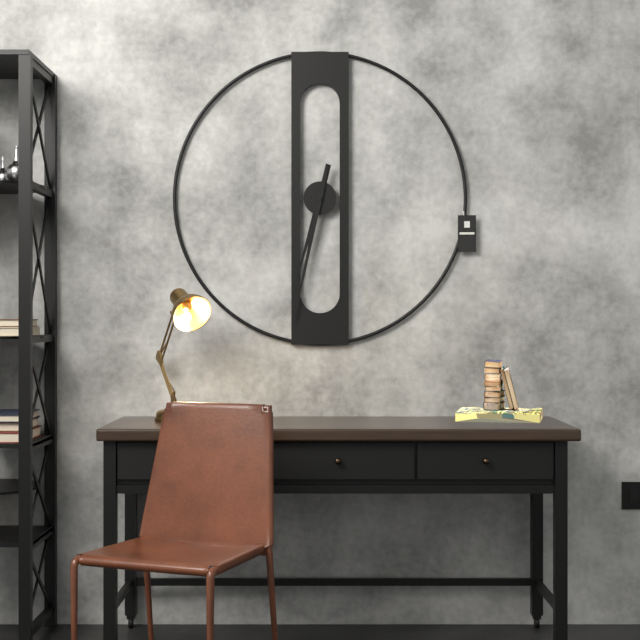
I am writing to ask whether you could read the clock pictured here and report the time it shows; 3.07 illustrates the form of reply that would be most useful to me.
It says 6.32
